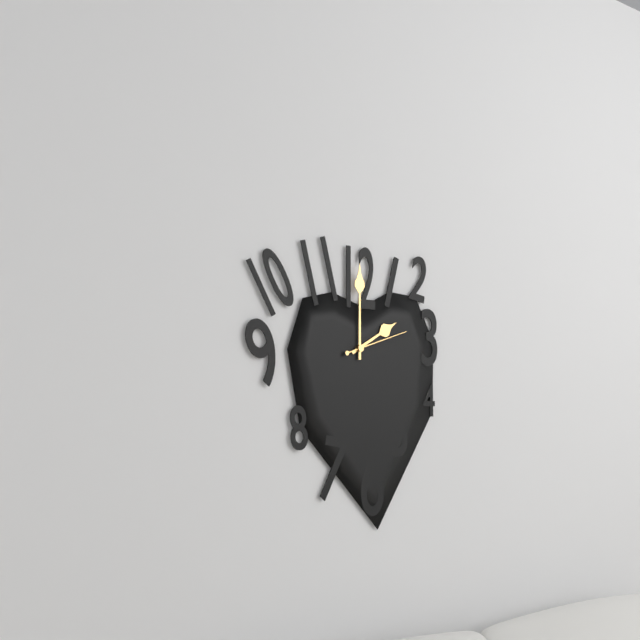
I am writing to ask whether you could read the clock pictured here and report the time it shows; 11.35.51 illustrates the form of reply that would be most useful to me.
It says 2.00.12
